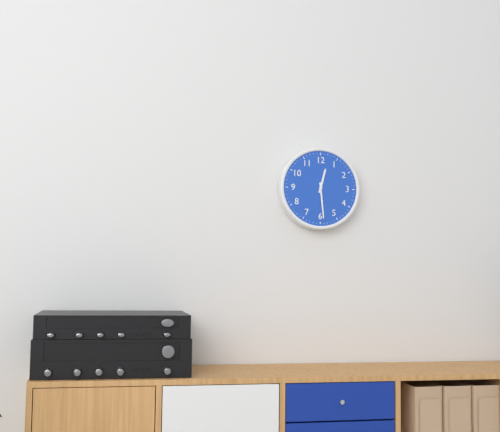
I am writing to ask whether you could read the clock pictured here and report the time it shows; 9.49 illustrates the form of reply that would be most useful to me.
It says 12.29
